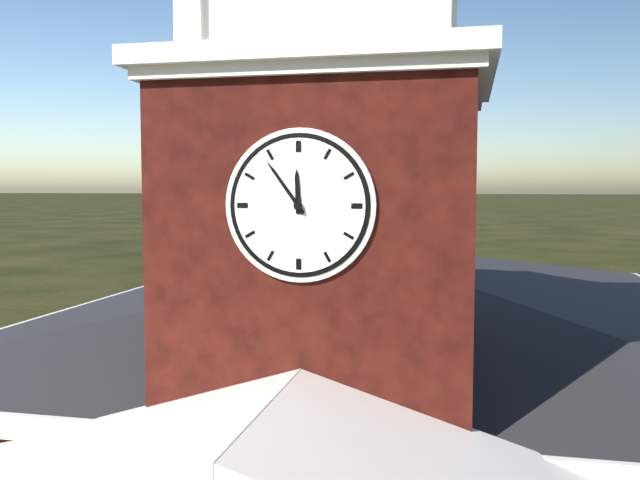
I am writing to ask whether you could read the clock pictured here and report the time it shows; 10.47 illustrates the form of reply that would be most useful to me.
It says 11.54
